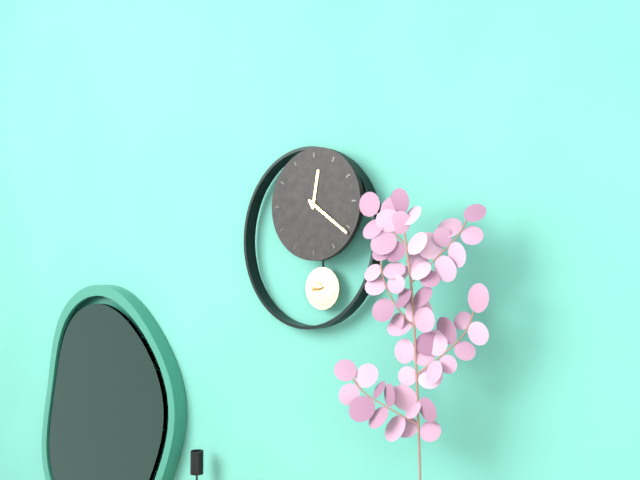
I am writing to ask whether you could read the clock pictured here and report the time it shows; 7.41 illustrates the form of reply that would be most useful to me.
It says 12.21
